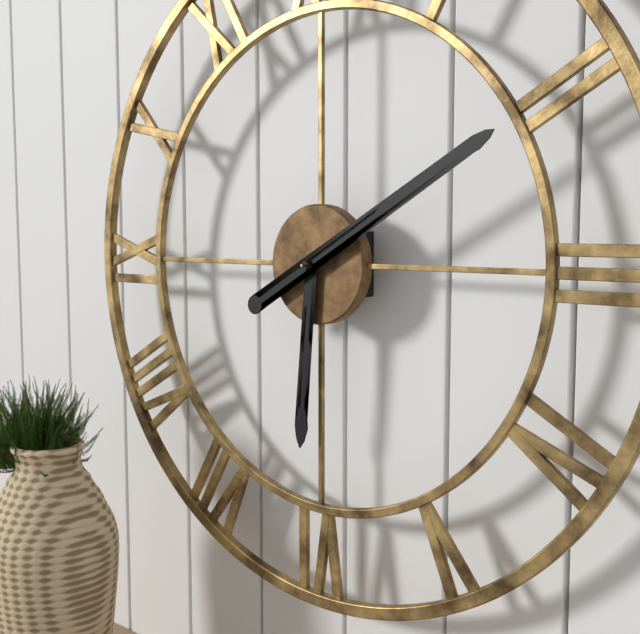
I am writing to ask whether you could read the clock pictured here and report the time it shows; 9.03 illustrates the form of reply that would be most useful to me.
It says 6.10
